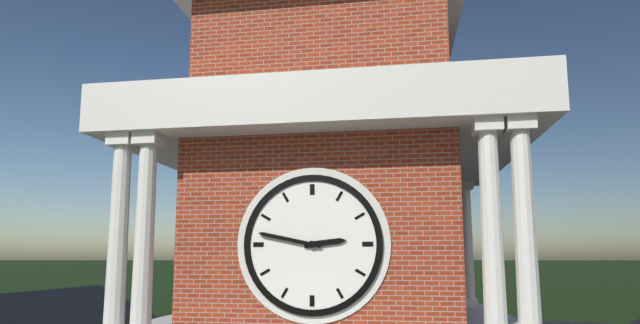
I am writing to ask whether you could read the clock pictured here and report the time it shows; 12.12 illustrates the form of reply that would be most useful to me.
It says 2.47
